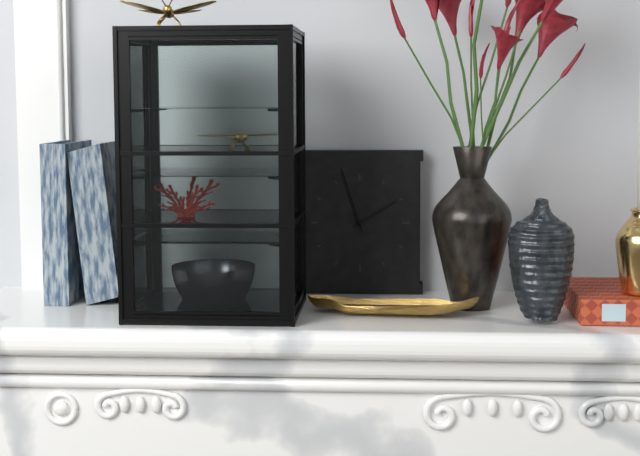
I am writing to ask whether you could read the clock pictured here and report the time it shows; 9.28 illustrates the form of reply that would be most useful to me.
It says 1.57
